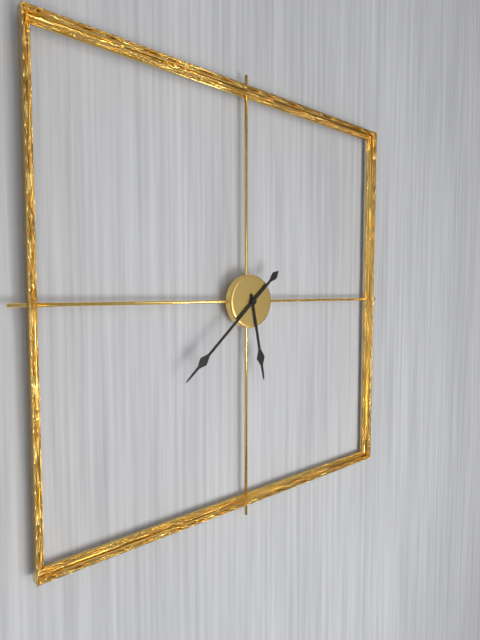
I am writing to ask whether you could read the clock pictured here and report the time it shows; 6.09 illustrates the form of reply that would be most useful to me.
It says 5.38
